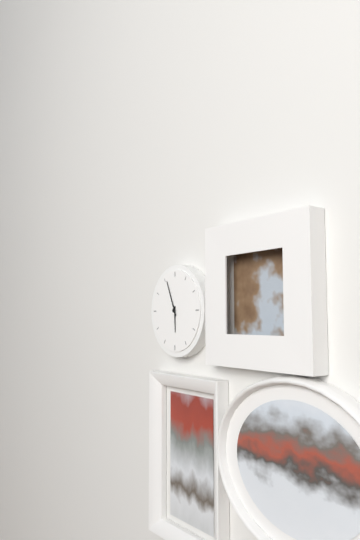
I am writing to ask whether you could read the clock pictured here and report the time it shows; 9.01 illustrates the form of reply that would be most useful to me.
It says 5.56
